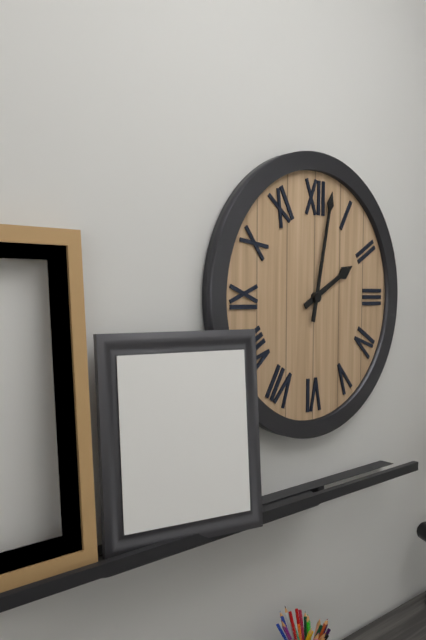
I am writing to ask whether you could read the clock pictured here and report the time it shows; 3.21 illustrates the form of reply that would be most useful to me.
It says 2.02
